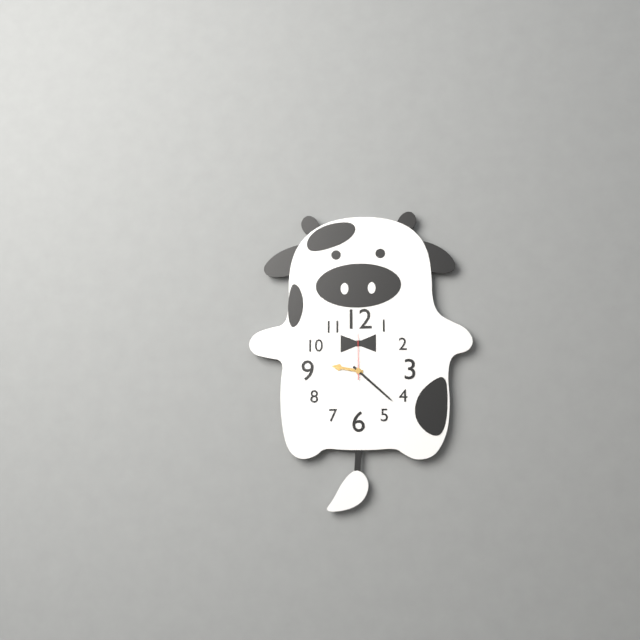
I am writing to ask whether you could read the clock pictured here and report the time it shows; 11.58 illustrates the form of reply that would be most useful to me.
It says 9.22
